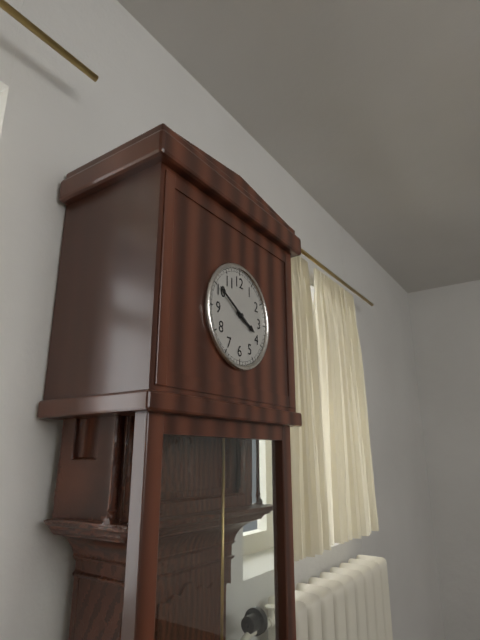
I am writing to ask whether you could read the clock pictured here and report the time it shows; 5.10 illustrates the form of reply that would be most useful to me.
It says 3.50
